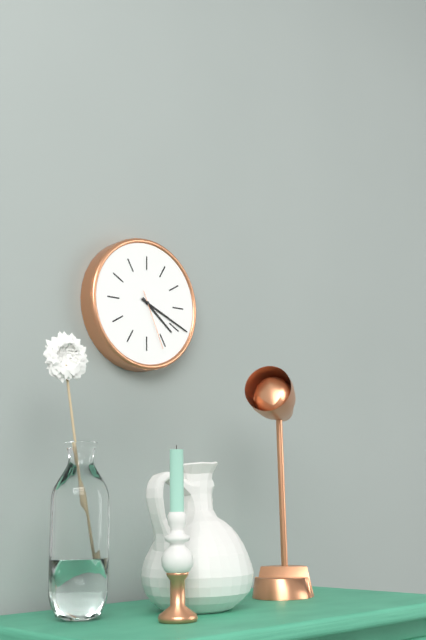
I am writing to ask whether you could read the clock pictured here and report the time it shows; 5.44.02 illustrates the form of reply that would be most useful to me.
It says 4.19.26
